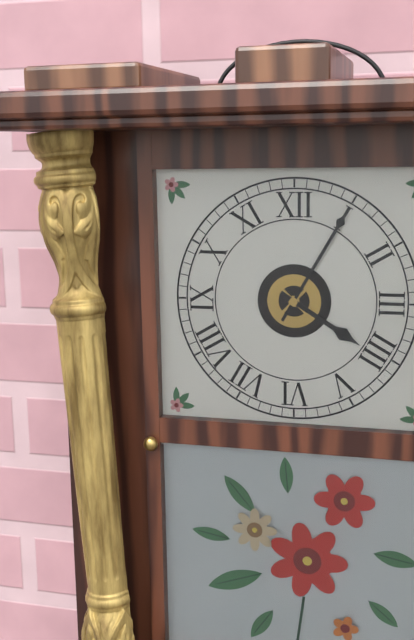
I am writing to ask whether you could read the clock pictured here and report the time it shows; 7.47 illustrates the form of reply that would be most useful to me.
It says 4.05
